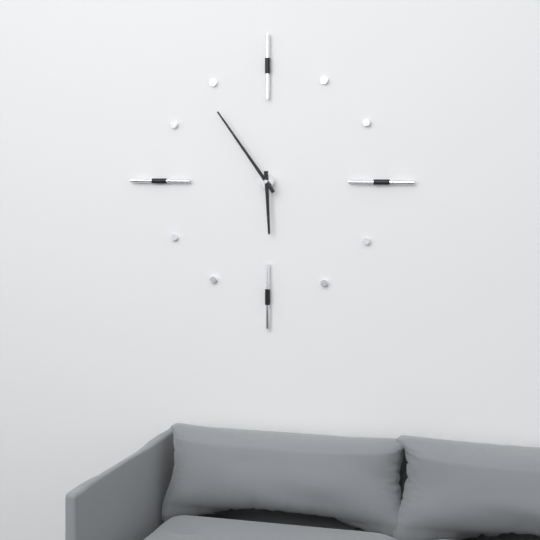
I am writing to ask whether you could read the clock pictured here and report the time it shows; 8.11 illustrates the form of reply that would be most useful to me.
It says 5.54
